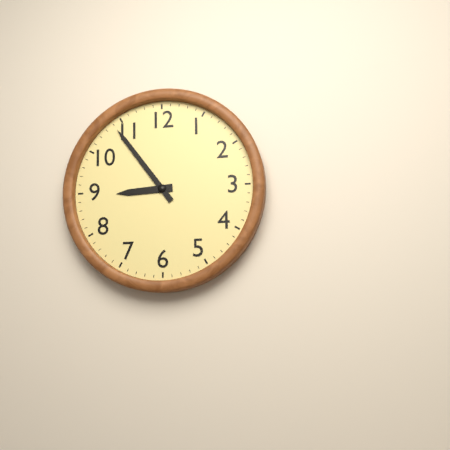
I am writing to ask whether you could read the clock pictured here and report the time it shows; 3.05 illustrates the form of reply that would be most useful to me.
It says 8.54
